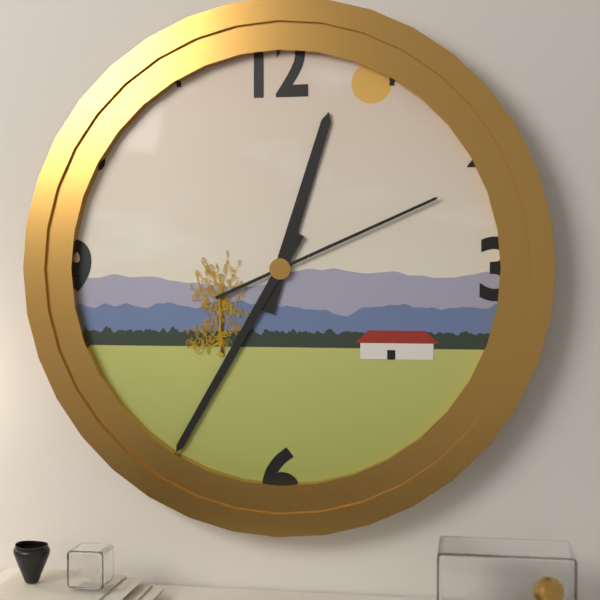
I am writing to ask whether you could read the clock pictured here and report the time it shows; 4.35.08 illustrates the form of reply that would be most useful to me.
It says 12.35.11
